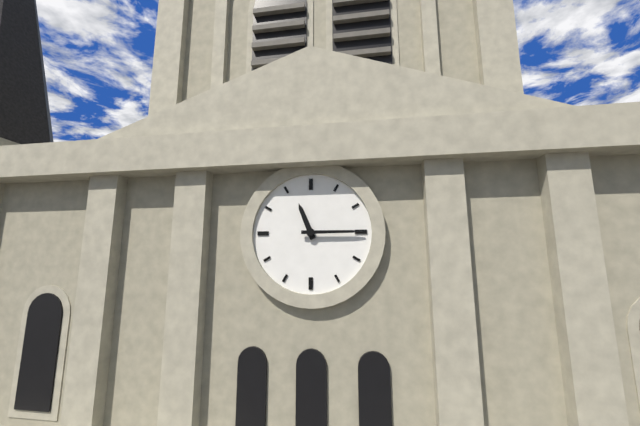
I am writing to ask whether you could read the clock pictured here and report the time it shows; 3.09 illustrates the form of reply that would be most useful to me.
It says 11.15
